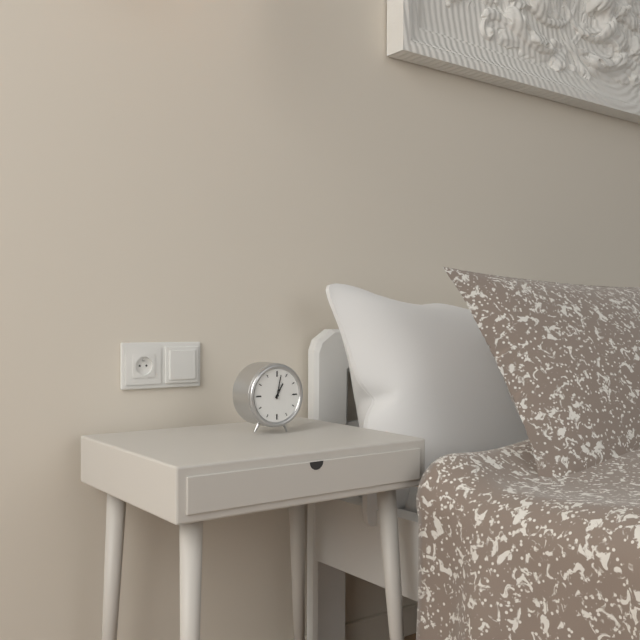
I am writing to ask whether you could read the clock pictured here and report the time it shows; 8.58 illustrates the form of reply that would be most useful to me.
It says 1.02
